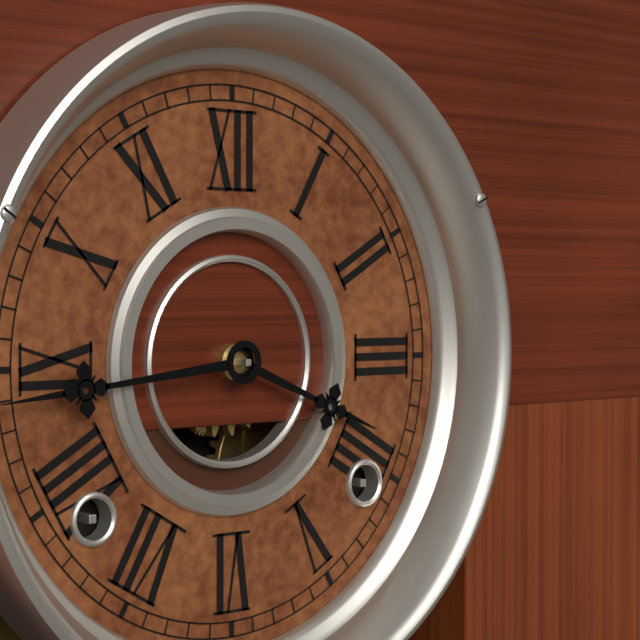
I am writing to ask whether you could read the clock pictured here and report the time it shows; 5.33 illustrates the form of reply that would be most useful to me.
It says 3.44
